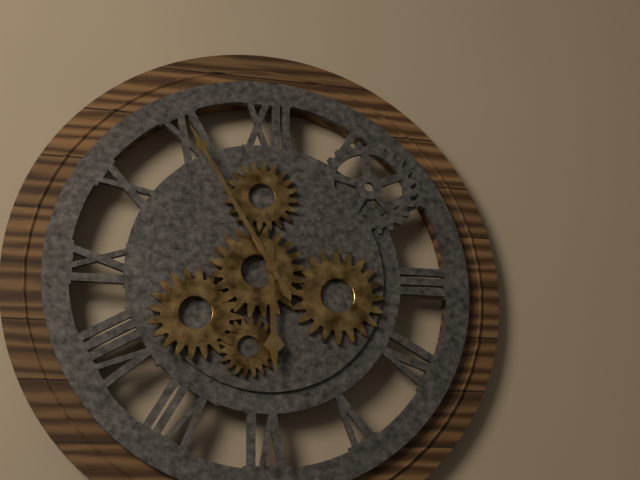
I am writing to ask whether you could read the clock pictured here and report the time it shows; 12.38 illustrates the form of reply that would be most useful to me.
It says 5.55
